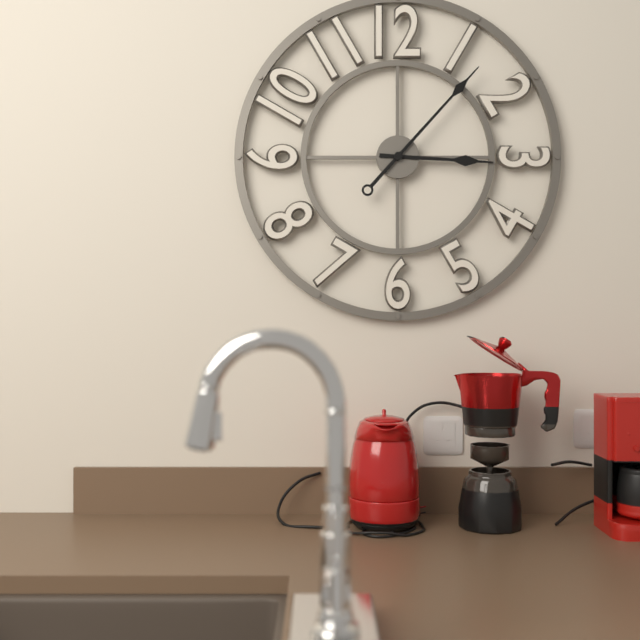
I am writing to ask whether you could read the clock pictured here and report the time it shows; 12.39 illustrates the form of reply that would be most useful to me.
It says 3.07
